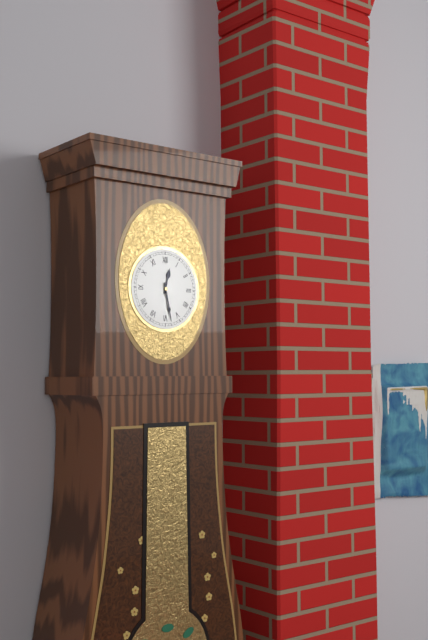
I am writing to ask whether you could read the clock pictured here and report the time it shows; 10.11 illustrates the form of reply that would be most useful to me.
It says 12.28
